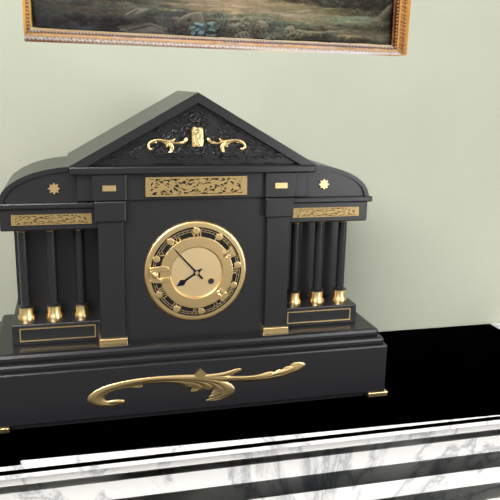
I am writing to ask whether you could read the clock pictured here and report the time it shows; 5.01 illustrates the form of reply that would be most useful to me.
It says 7.53
